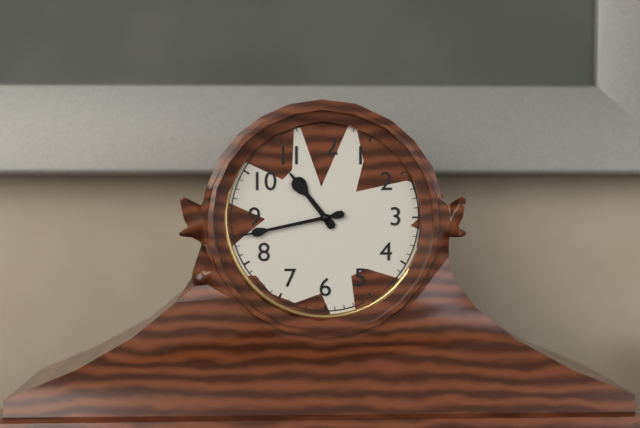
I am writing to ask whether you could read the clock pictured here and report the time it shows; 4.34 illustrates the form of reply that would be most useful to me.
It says 10.43
